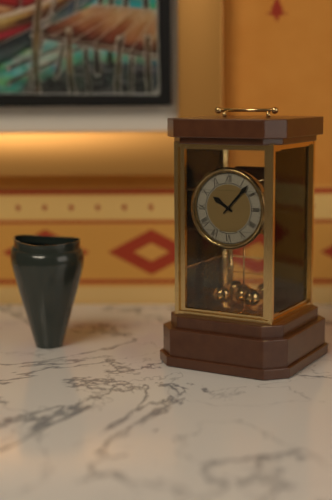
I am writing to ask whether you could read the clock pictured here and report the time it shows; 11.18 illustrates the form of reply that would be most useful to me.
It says 10.07
